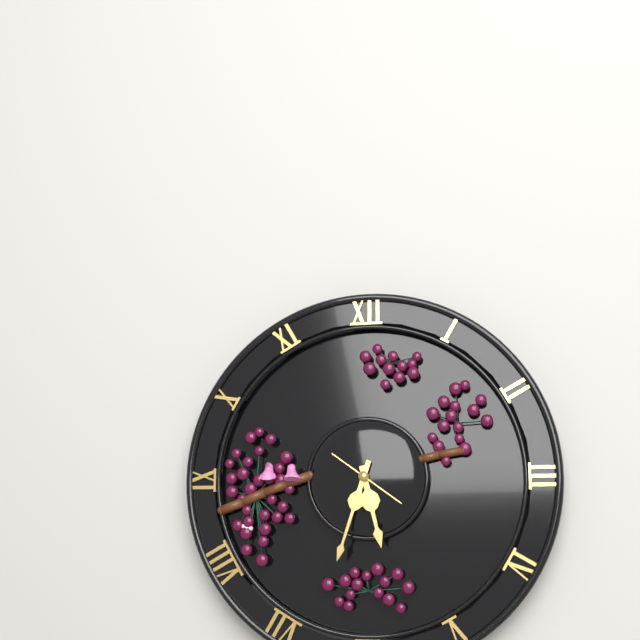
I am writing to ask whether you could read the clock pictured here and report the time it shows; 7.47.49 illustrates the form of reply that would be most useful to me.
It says 5.33.21
